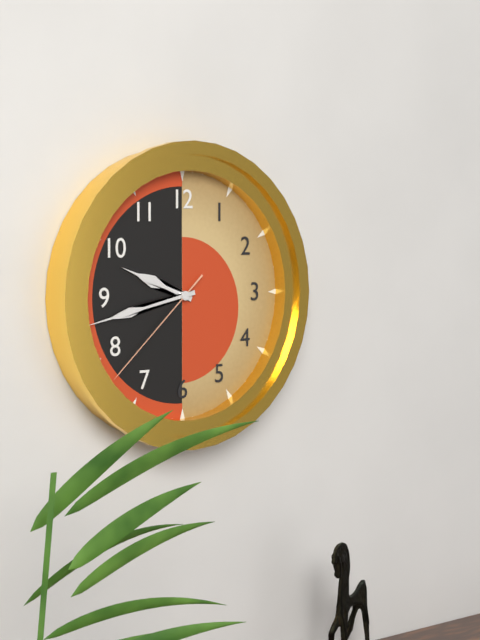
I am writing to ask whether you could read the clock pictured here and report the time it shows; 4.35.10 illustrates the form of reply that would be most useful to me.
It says 9.43.38
